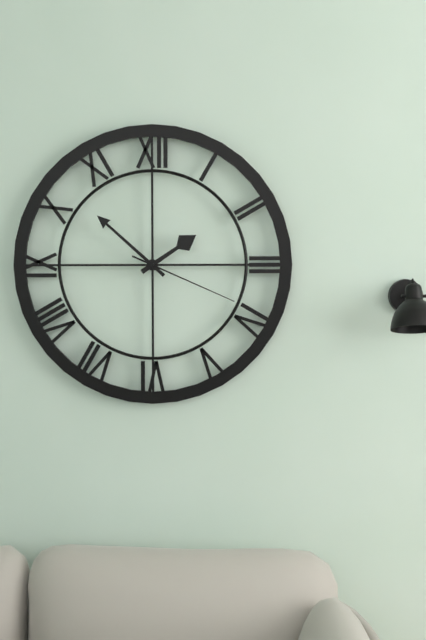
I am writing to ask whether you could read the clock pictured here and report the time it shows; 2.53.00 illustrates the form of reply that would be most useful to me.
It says 1.52.19
